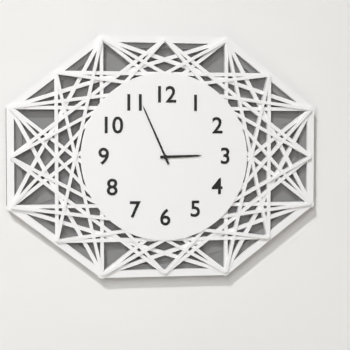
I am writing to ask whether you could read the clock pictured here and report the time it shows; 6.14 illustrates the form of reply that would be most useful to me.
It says 2.56
